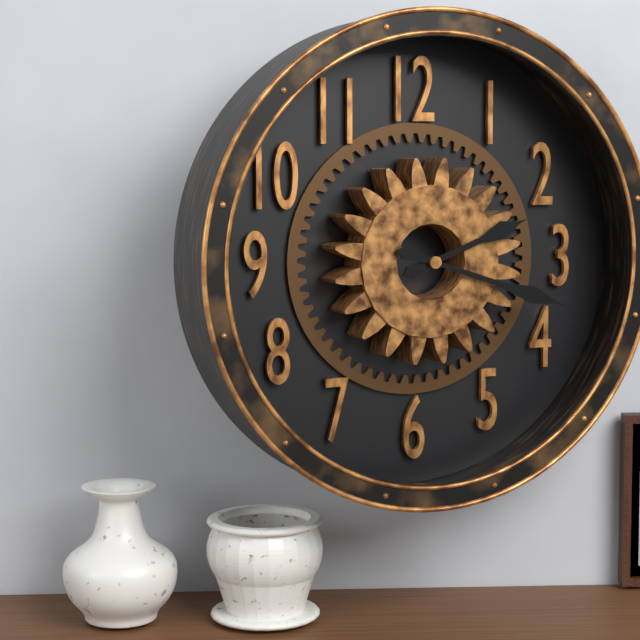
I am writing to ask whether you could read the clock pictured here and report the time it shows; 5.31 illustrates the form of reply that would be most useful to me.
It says 2.18
